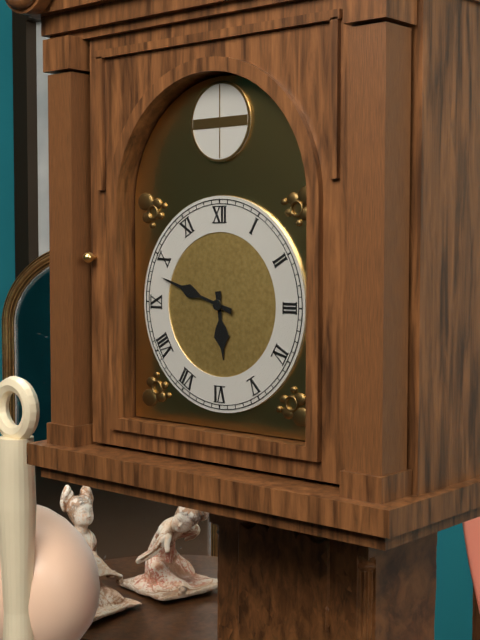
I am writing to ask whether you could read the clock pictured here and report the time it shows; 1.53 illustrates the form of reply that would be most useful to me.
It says 5.48
